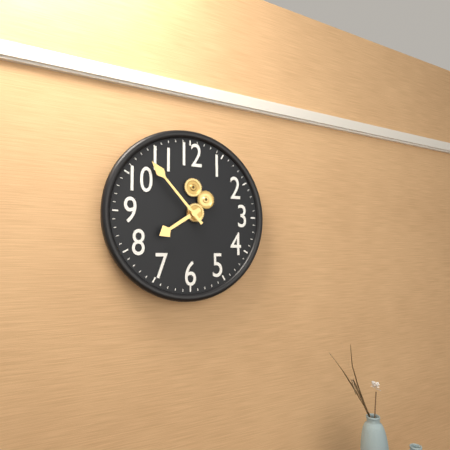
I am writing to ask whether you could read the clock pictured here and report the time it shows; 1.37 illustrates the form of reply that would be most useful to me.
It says 7.53
